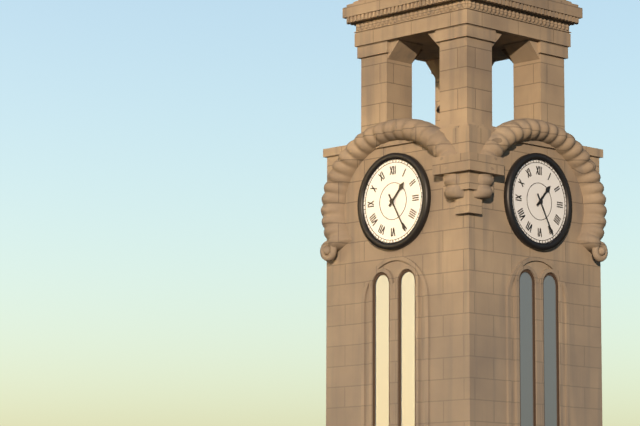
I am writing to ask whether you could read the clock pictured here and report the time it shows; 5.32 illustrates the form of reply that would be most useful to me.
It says 1.25
